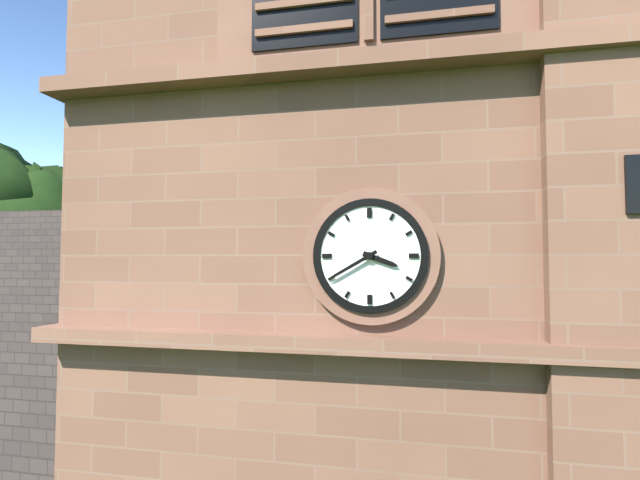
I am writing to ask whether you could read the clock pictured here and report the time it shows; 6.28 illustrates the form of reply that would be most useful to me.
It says 3.40
